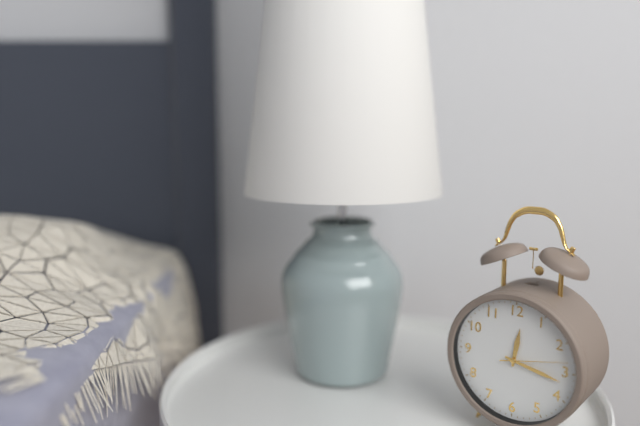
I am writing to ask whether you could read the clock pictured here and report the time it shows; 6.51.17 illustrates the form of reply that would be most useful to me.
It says 12.17.13
